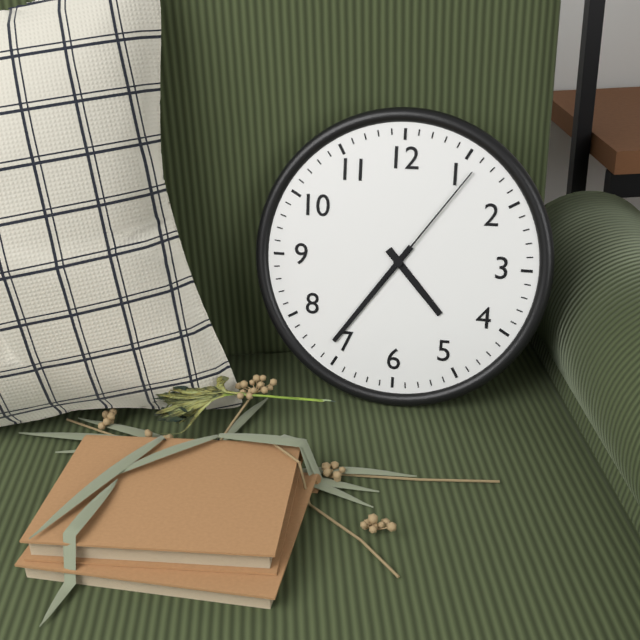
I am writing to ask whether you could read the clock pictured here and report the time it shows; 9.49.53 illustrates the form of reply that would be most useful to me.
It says 4.36.06
